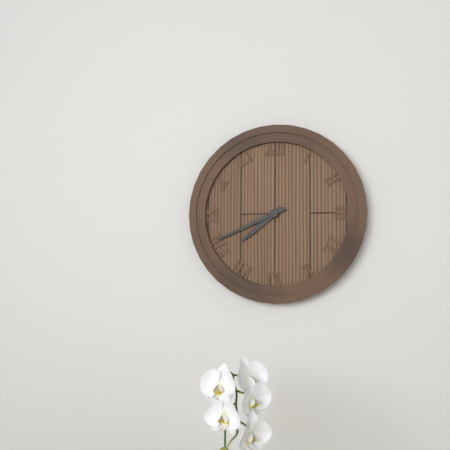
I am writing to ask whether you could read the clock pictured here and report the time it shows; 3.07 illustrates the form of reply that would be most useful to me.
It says 7.41
